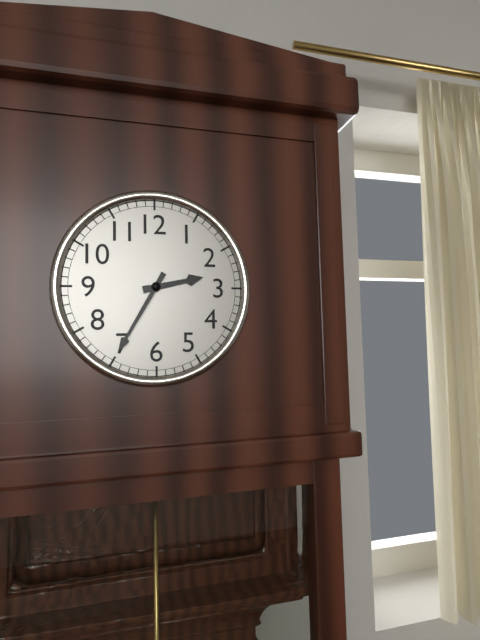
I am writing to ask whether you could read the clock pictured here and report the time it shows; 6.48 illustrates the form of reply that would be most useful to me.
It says 2.35
